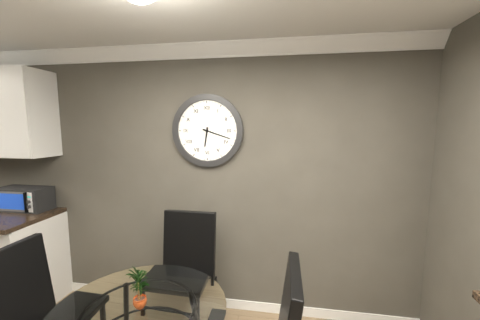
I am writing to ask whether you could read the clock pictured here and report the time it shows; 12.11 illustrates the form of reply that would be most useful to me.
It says 6.18
